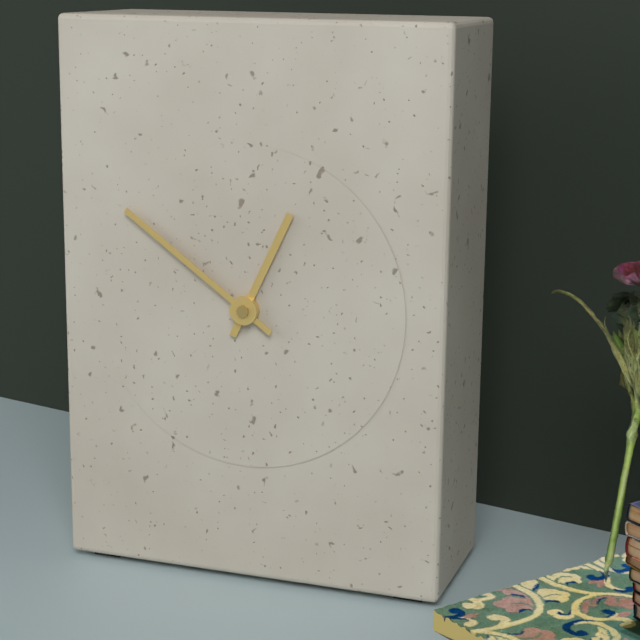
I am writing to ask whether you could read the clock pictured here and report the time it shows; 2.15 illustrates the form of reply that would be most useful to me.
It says 12.51
